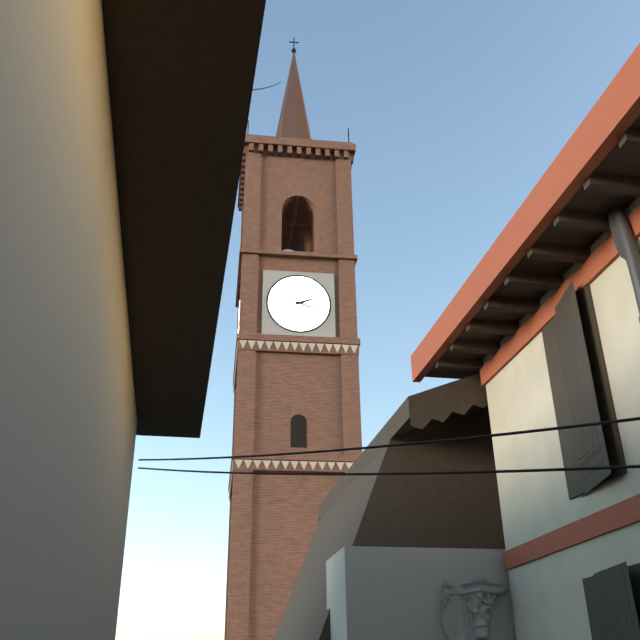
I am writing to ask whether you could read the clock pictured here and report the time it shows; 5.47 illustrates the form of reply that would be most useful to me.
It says 2.18
